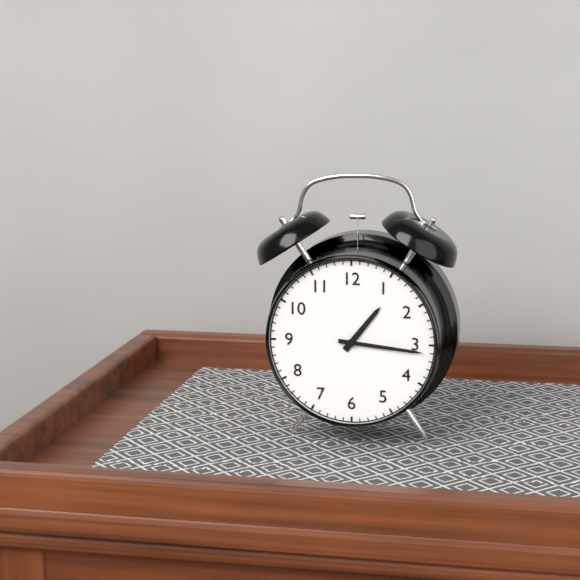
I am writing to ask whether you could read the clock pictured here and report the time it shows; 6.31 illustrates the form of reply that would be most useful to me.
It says 1.16
